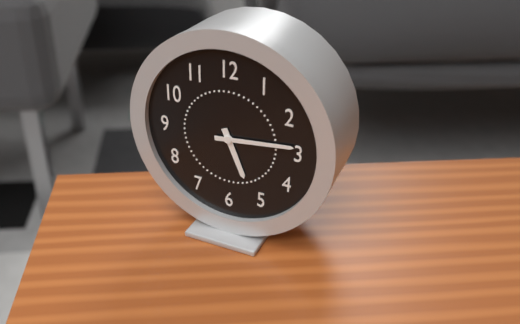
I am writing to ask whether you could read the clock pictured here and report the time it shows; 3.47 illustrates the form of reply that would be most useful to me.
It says 5.14
